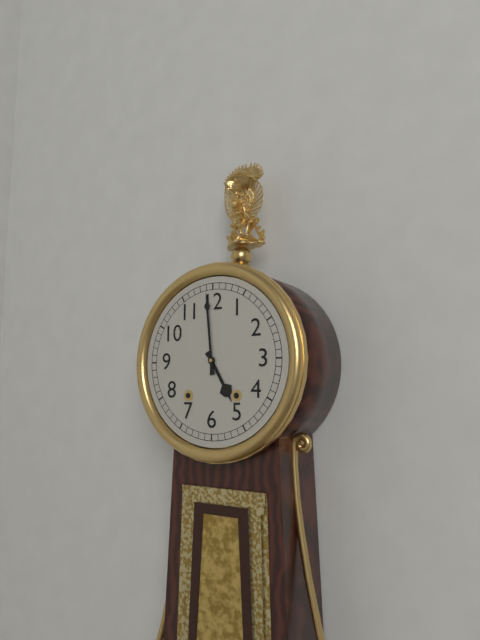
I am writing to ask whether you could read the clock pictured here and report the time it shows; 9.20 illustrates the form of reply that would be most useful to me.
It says 4.59
